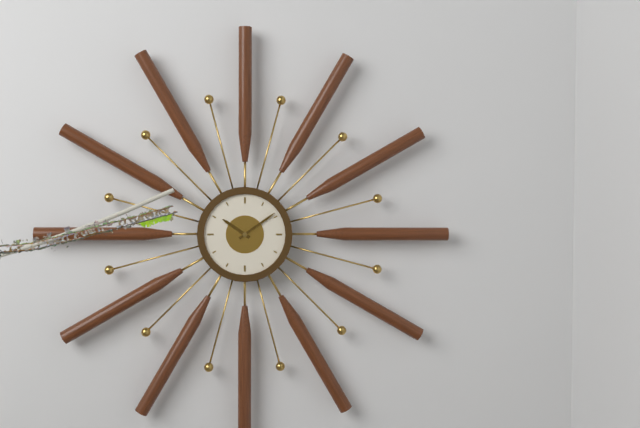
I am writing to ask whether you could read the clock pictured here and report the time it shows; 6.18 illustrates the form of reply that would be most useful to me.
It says 10.09
